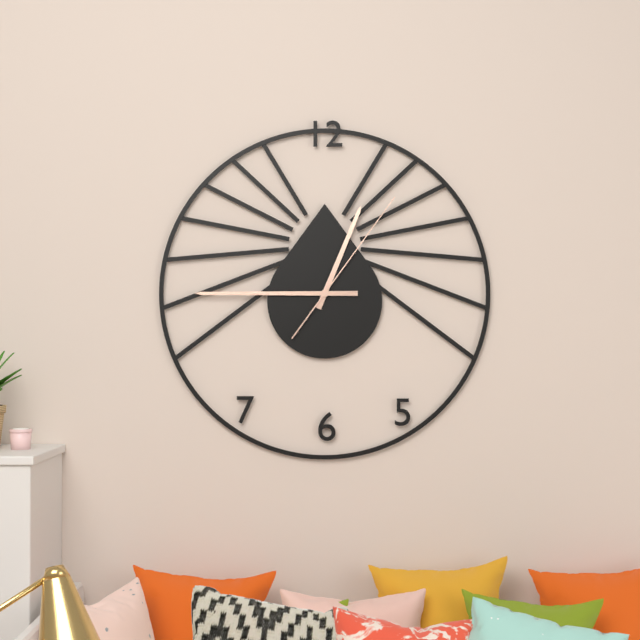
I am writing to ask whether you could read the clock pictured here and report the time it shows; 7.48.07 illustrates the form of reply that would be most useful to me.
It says 12.45.06
